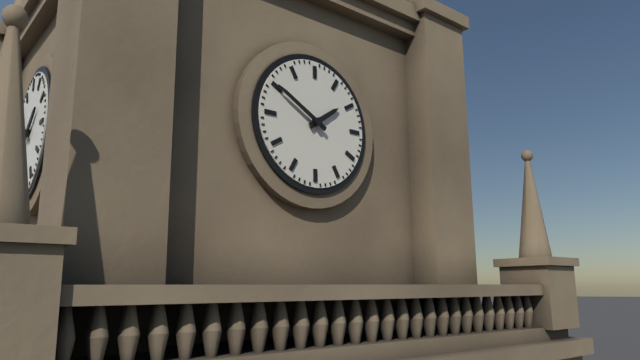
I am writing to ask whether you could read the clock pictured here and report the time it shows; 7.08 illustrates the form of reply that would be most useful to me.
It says 1.50
